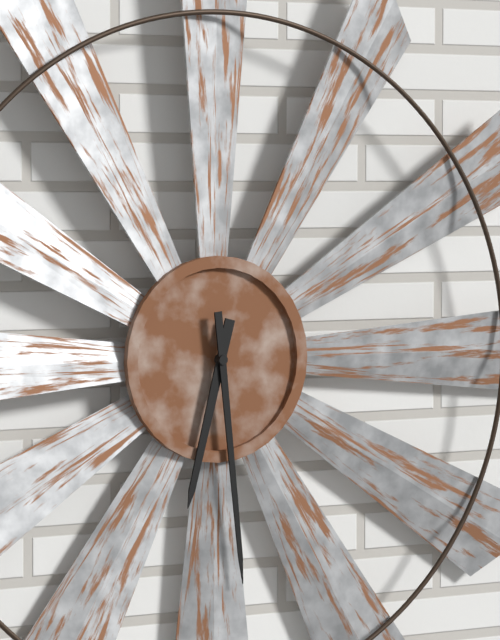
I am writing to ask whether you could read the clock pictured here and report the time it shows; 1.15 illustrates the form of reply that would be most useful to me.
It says 6.29
